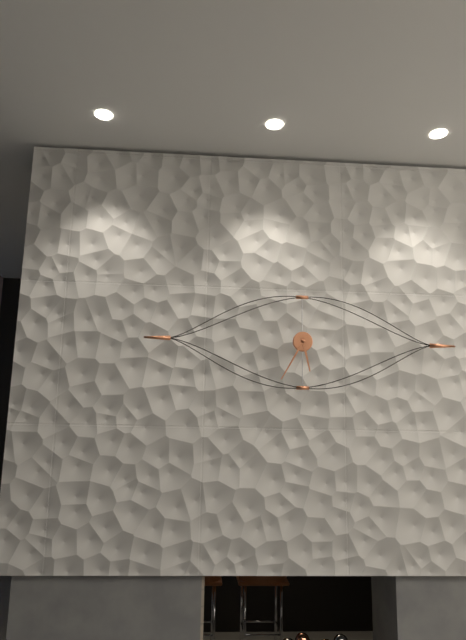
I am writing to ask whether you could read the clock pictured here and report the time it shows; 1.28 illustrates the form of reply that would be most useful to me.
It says 5.35
